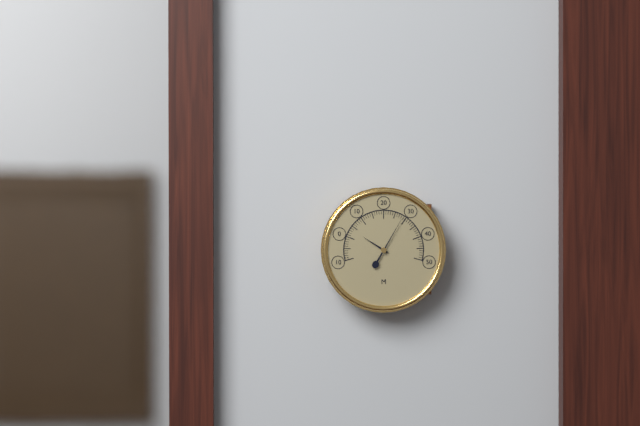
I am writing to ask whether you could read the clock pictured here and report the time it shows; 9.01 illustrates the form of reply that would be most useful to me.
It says 10.05
